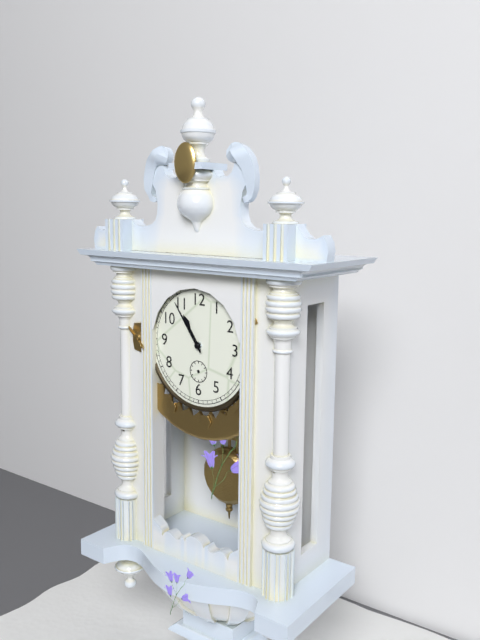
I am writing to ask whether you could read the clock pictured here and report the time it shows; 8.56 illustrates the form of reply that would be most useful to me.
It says 10.54
